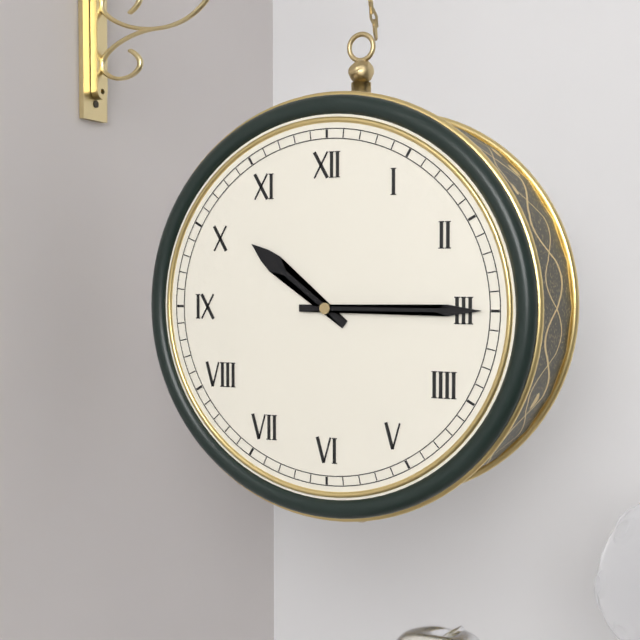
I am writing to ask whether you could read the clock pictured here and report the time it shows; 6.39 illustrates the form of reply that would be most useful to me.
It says 10.15
